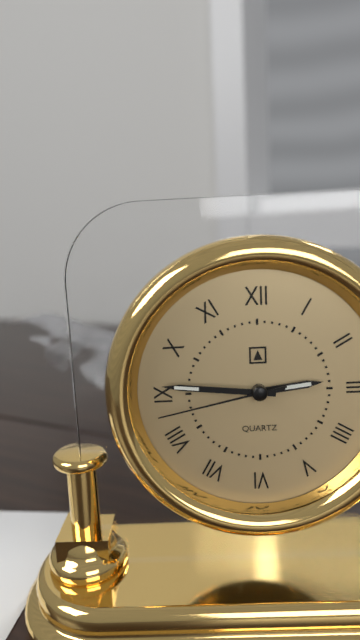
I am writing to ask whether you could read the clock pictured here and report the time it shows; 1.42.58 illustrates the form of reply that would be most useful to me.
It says 2.46.43
